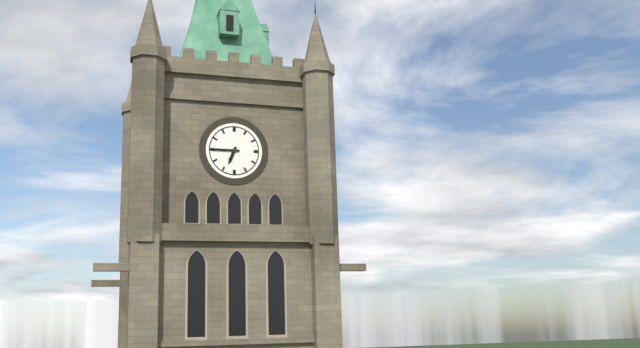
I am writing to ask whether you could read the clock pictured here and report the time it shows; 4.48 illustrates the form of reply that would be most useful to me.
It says 6.45
